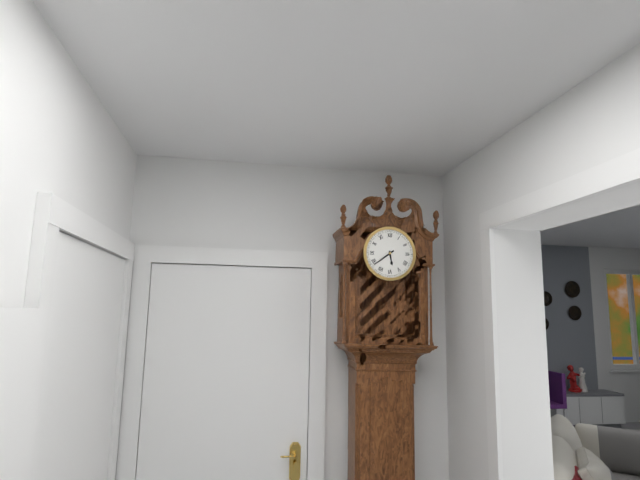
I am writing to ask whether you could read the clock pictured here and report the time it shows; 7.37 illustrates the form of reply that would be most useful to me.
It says 5.39
